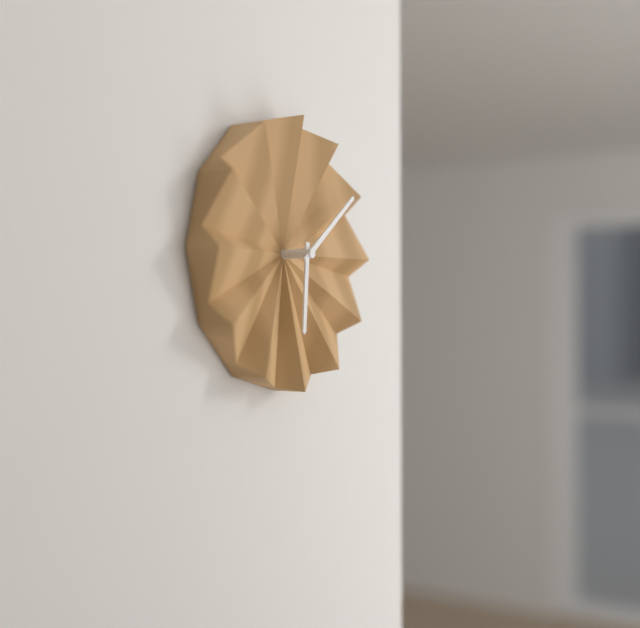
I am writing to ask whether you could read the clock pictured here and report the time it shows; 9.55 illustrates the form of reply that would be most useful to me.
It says 6.09
